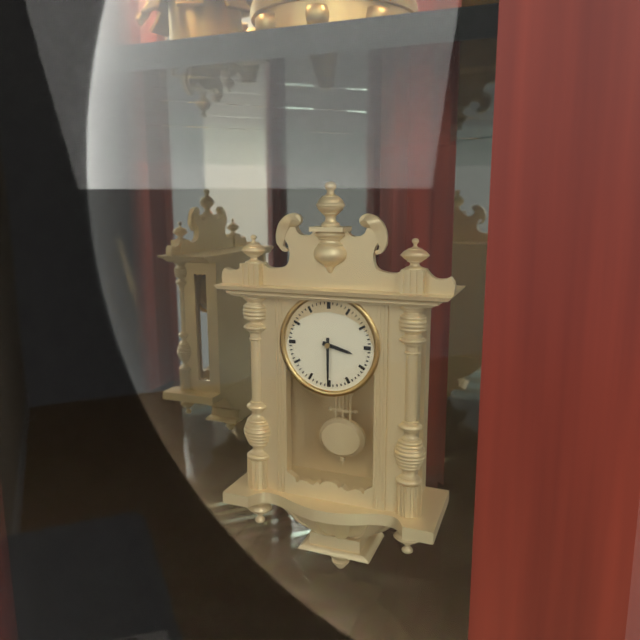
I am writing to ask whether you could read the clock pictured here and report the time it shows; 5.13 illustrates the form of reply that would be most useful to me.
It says 3.30
